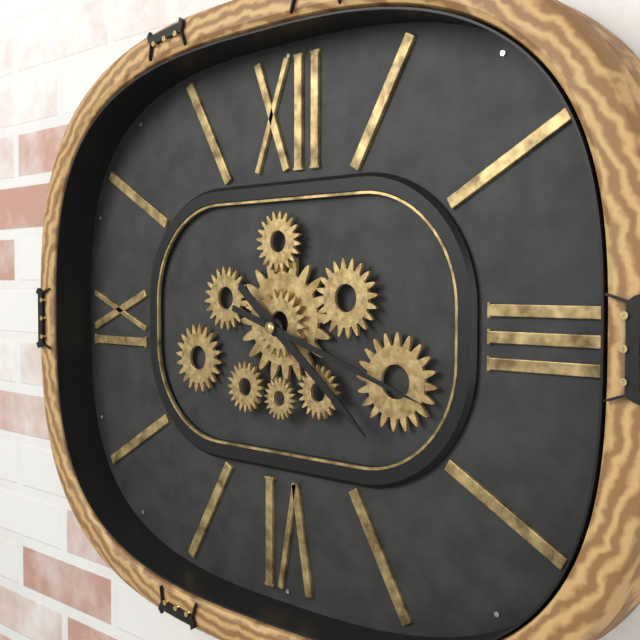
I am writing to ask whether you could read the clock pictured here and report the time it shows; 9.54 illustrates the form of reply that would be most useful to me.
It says 4.18
